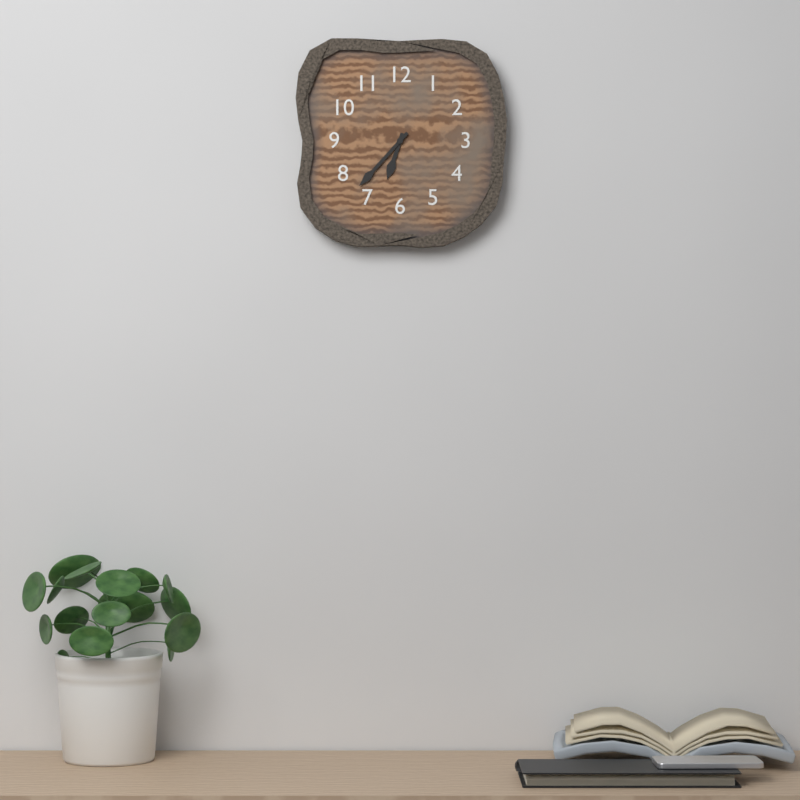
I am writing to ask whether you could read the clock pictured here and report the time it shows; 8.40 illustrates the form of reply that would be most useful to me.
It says 6.37
